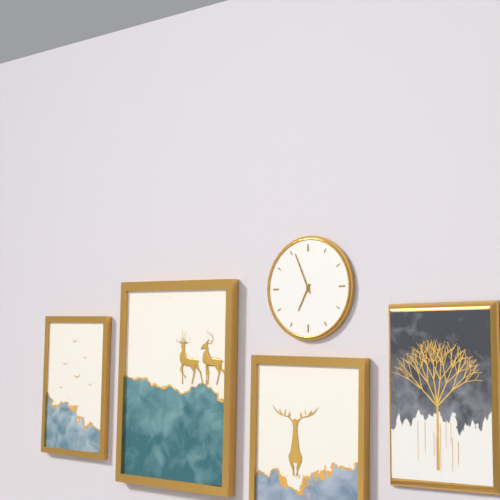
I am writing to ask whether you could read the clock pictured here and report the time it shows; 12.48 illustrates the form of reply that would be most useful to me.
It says 6.56
